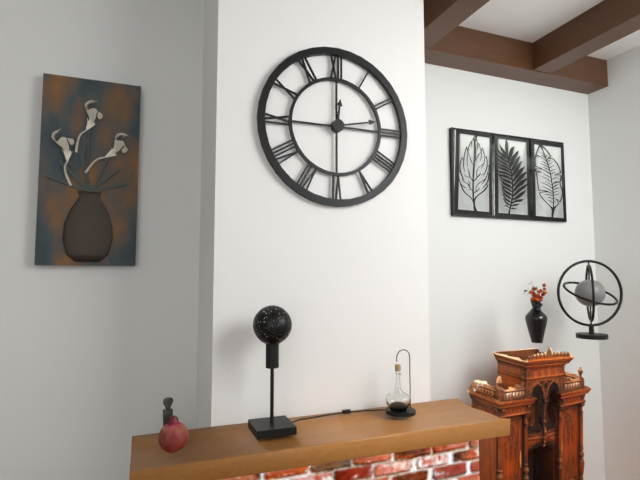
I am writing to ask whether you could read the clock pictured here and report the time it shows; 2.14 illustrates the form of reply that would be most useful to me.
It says 12.13
